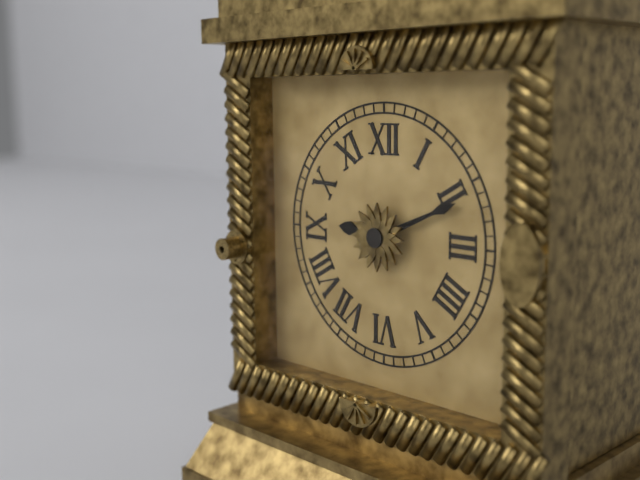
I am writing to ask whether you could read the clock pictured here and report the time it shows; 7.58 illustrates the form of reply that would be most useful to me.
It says 9.11
